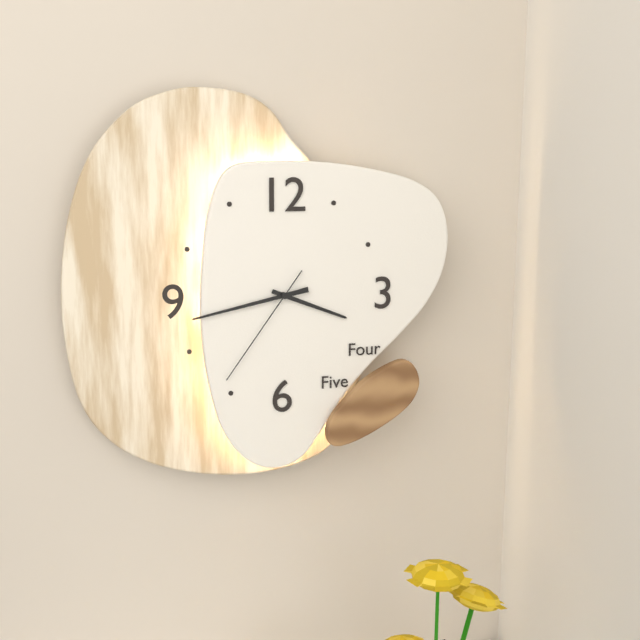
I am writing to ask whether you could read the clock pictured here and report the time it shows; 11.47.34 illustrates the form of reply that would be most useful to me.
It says 3.43.36
